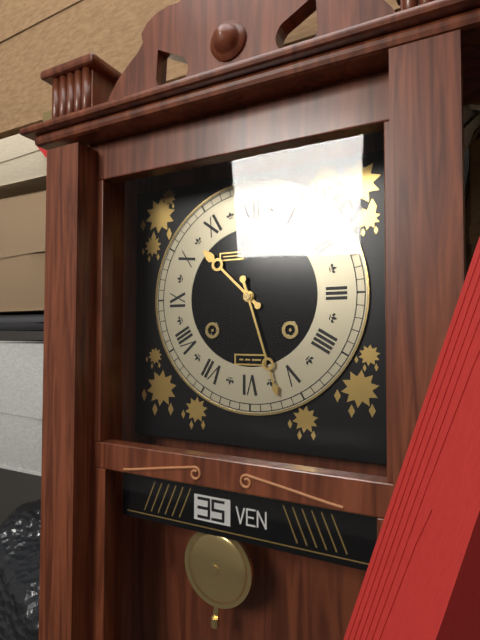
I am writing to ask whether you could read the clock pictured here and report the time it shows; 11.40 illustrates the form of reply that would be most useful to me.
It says 10.27
